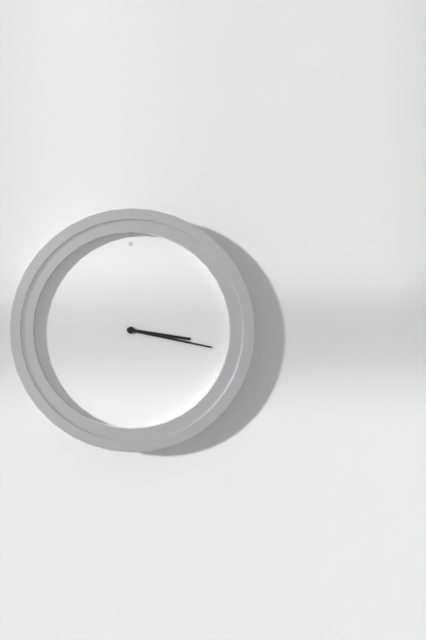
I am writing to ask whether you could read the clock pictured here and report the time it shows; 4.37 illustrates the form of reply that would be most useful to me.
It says 3.17
